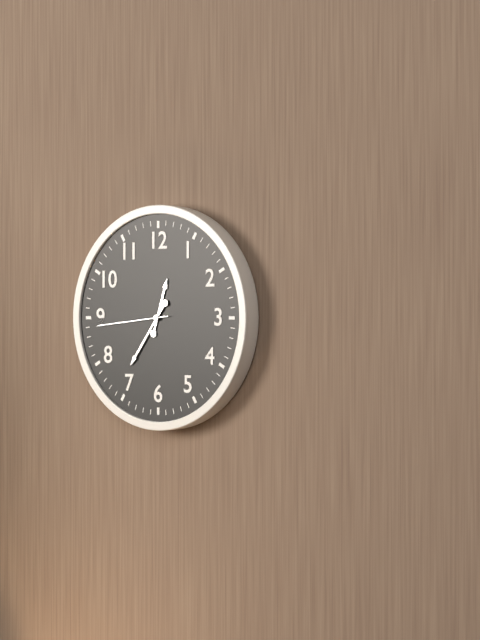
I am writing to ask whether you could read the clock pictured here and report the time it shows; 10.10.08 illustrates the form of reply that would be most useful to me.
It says 12.36.44
